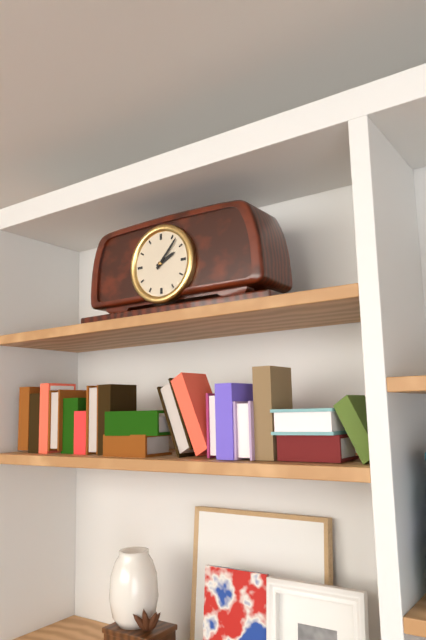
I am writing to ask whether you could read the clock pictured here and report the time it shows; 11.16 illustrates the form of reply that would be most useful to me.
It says 2.07
